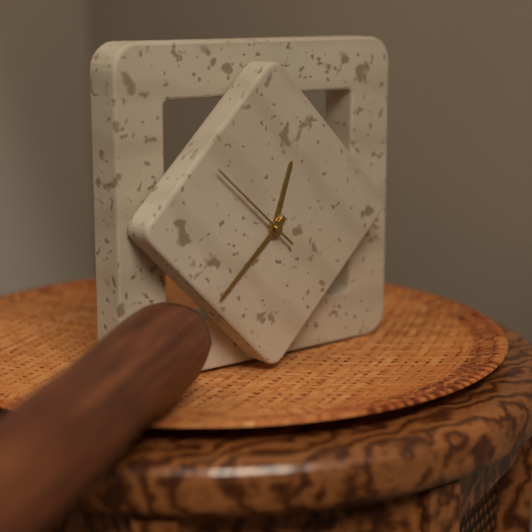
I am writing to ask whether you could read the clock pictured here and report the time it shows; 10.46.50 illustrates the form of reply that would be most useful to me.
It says 12.38.52
